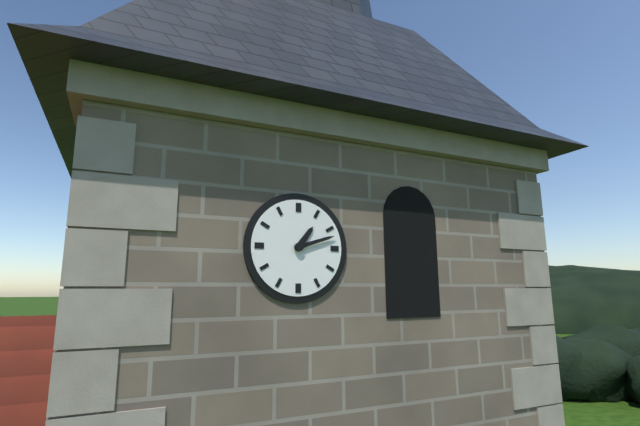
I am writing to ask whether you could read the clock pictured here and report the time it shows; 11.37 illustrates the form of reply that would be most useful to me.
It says 1.12
